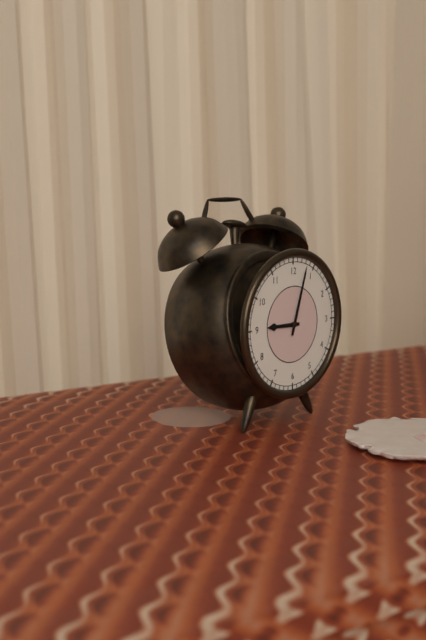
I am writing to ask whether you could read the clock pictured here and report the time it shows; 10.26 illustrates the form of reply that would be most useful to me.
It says 9.03
